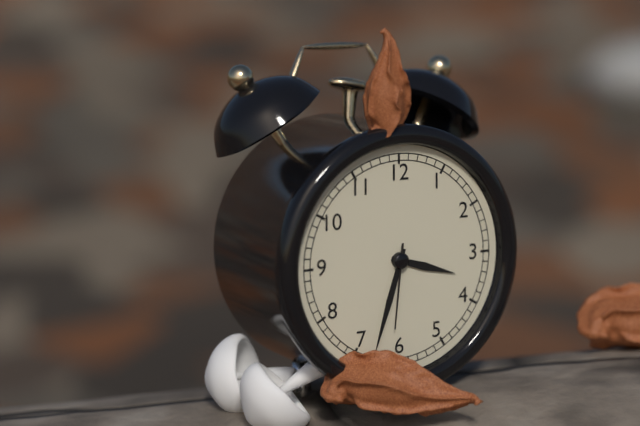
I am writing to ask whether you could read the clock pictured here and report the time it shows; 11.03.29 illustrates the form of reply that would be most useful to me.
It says 3.33.31
